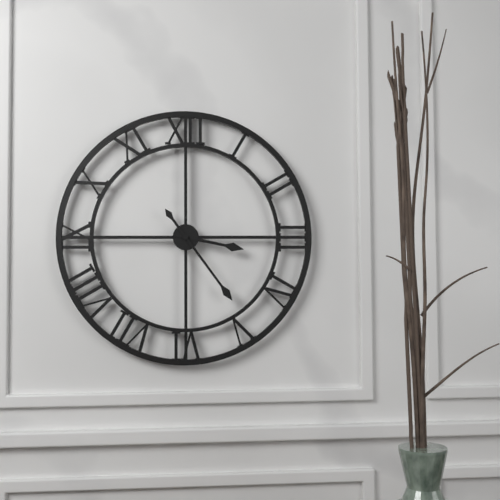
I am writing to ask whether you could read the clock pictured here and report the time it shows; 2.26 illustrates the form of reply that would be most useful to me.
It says 3.24
